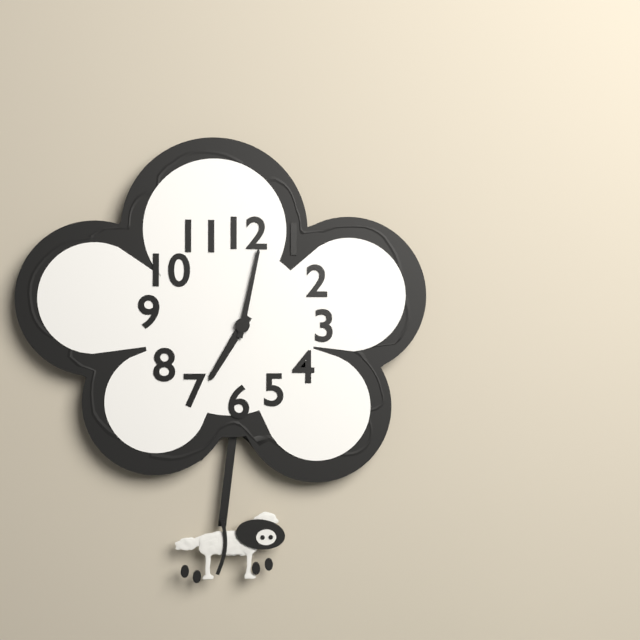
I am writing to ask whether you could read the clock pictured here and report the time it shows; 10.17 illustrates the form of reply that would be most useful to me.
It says 7.02
